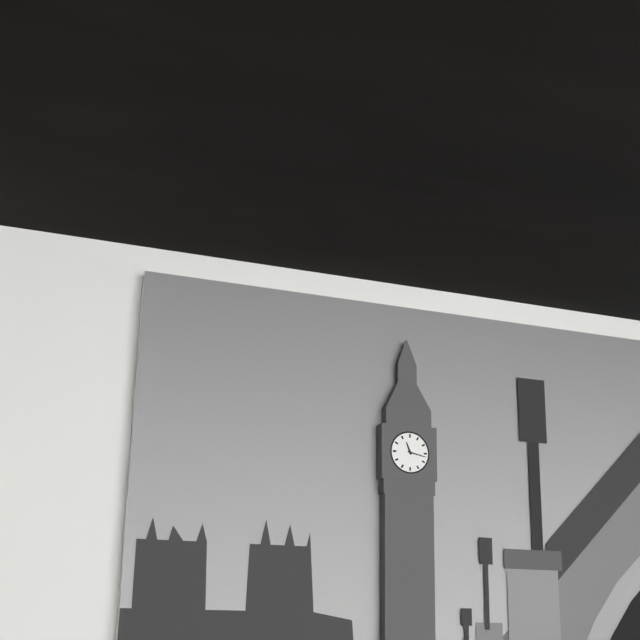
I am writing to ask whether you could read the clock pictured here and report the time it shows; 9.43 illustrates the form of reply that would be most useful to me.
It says 11.17
